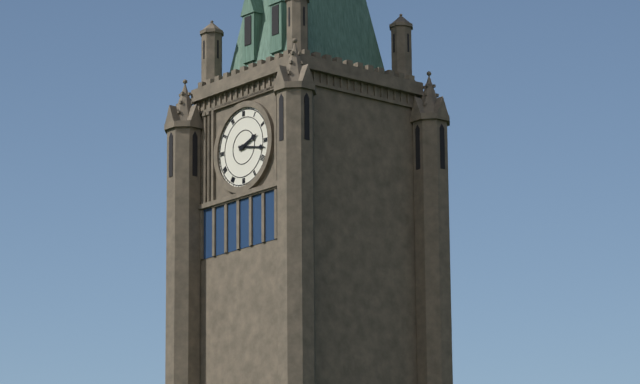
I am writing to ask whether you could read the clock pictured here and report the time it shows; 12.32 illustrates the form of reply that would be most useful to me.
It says 2.17
